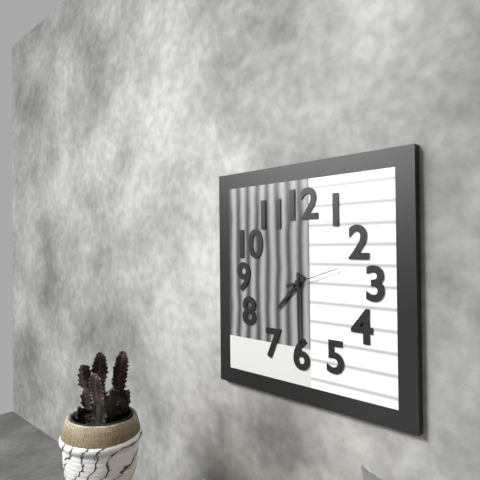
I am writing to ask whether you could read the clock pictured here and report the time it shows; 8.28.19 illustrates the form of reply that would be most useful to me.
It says 7.30.12
